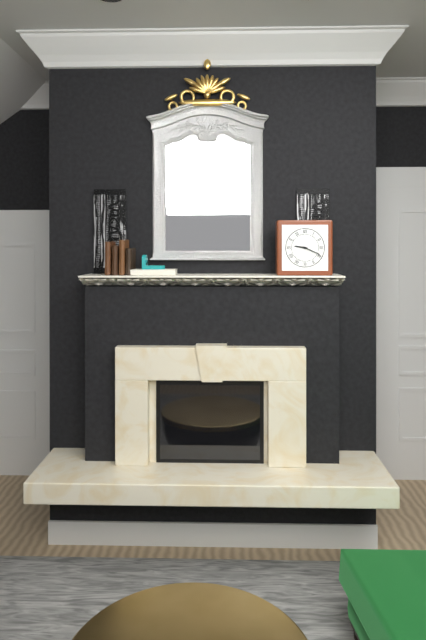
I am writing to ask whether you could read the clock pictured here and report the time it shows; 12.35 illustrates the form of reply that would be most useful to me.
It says 9.19
